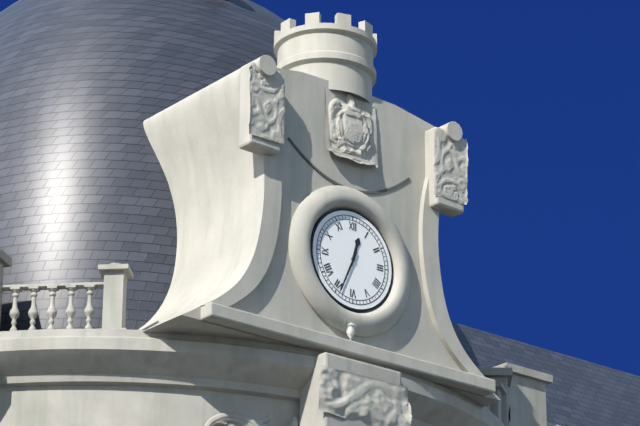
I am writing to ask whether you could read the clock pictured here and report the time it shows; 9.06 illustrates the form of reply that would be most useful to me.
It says 12.34
